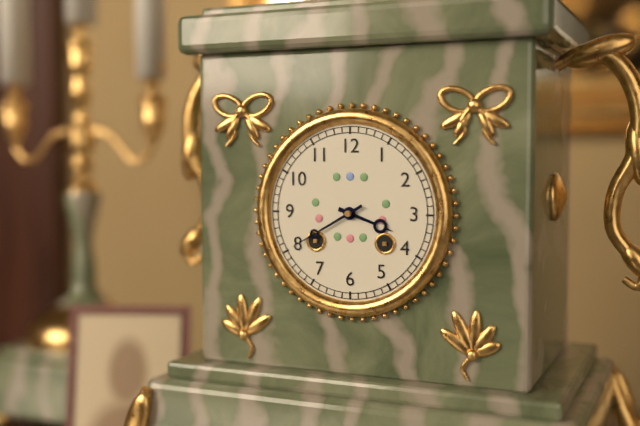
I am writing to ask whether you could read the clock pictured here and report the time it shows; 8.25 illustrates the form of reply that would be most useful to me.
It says 3.40
